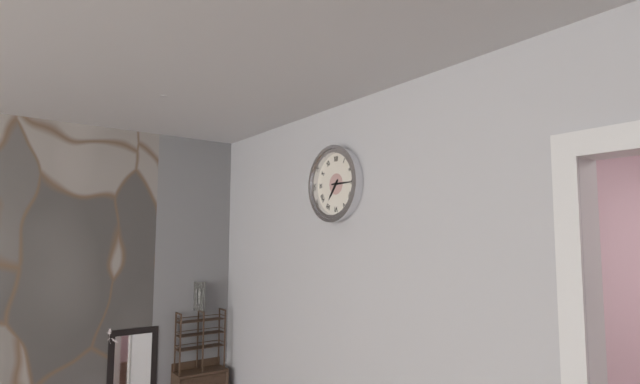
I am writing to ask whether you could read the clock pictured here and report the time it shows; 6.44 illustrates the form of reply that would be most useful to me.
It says 7.15
